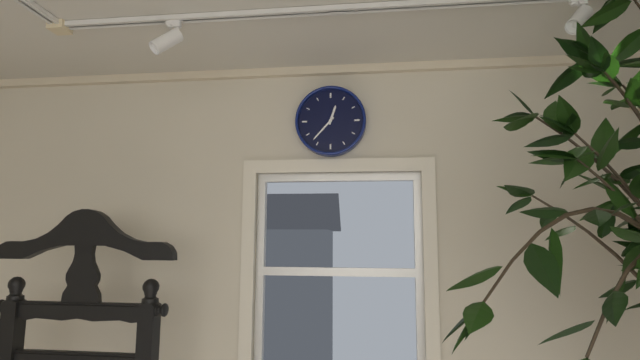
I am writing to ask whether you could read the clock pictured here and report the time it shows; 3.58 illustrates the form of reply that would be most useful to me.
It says 12.37
